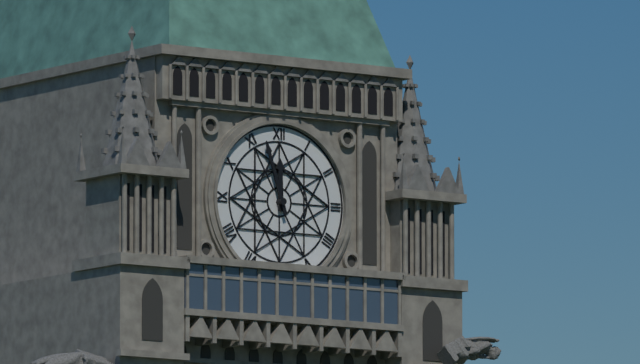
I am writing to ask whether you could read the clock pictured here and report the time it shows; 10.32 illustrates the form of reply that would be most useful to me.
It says 11.57
